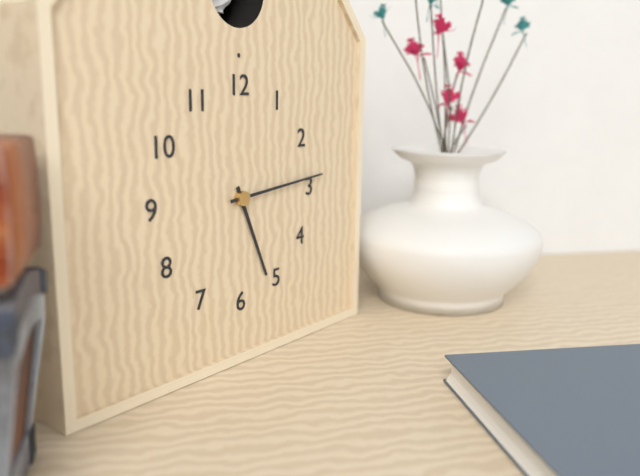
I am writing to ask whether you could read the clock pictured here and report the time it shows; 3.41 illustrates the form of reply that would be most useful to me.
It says 5.14
